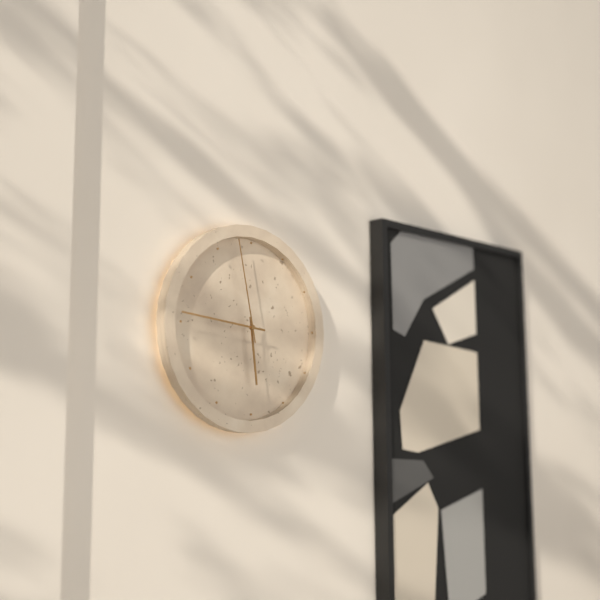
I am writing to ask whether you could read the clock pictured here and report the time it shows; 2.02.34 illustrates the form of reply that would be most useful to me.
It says 5.46.58
